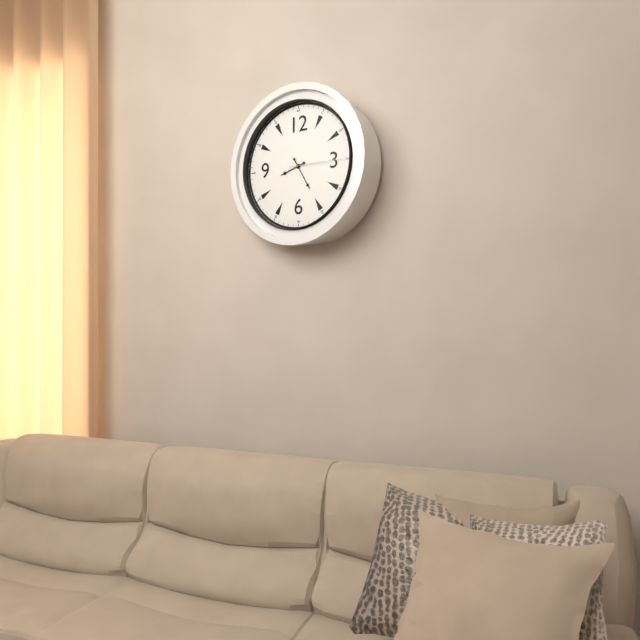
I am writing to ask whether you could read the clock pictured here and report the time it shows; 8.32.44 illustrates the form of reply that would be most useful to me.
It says 8.25.15
